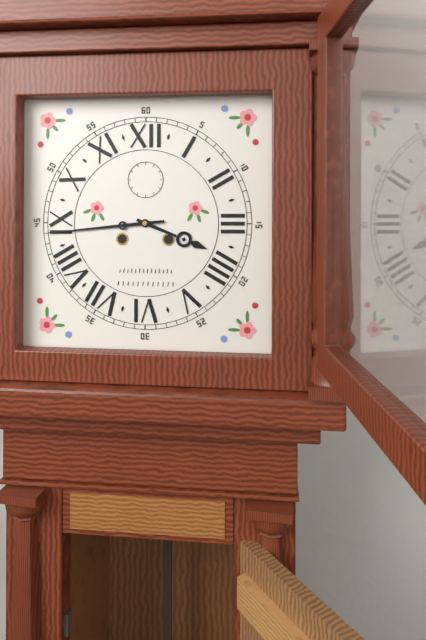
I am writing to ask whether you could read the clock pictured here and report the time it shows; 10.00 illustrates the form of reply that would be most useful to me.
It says 3.44
